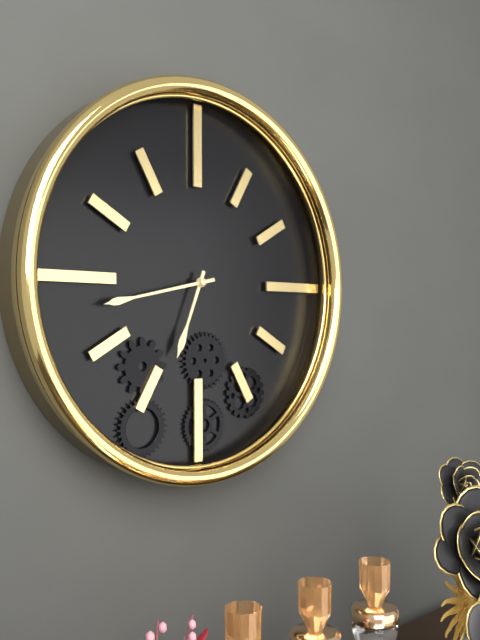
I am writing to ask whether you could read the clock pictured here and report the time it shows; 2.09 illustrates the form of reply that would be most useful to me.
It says 6.43
